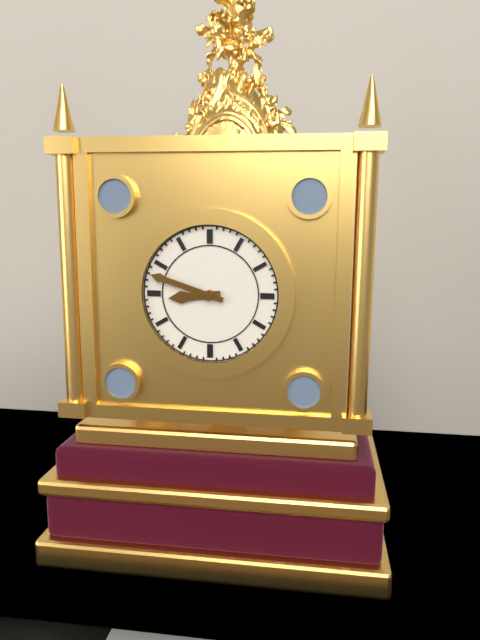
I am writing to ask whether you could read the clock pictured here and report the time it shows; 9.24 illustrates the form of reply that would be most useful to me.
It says 8.48
